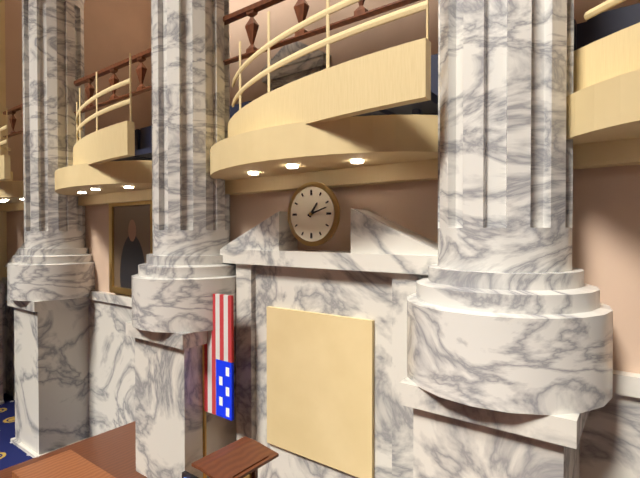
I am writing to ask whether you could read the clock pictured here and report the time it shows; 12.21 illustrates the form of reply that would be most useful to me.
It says 1.12
